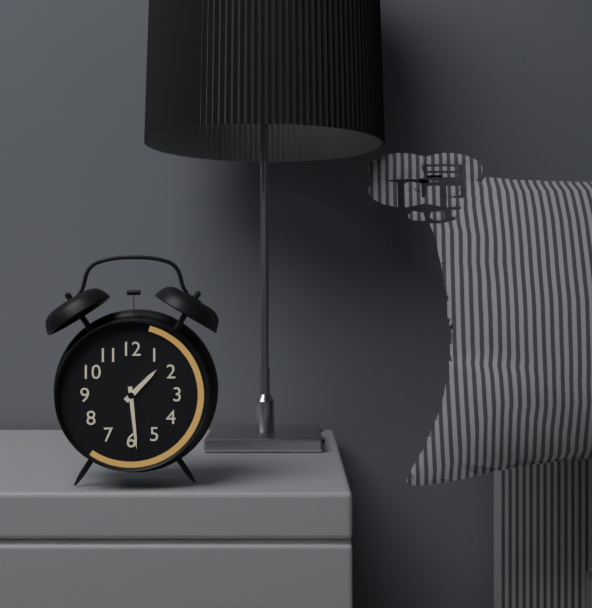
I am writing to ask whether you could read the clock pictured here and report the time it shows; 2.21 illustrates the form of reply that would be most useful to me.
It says 1.29
